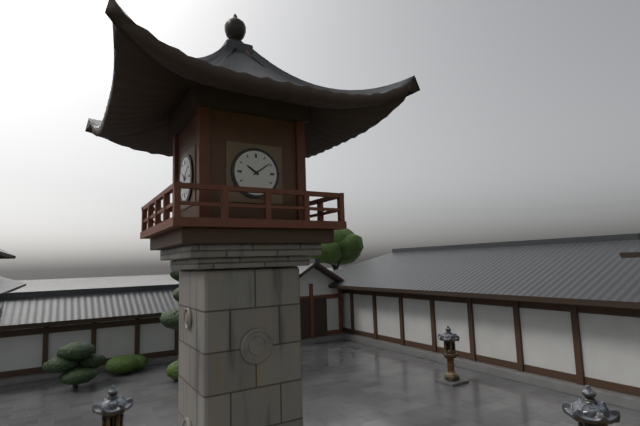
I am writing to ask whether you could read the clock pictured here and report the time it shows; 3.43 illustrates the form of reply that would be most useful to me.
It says 10.09
